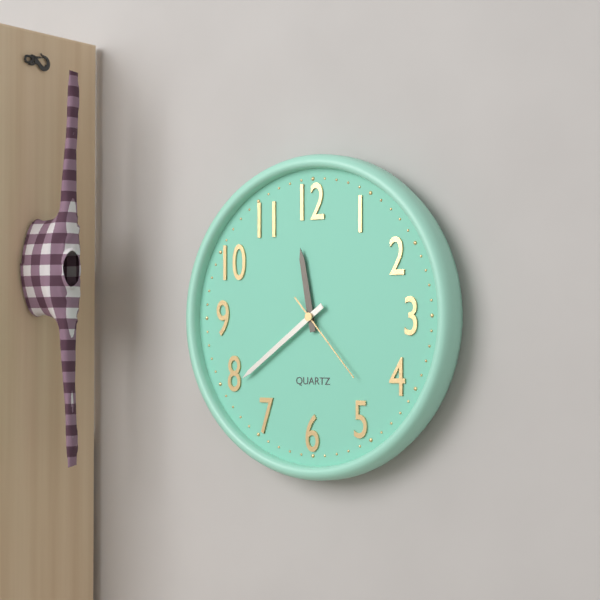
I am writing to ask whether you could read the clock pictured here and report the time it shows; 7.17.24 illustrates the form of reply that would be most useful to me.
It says 11.39.23
